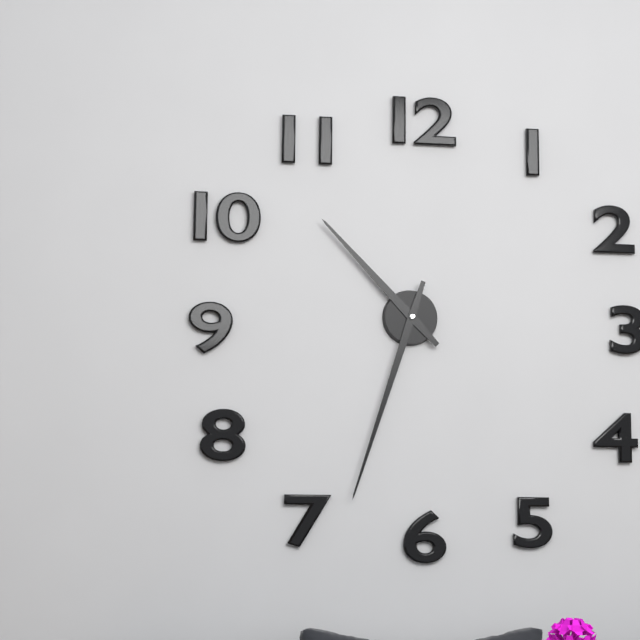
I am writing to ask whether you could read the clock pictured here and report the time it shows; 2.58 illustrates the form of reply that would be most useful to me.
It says 10.33
